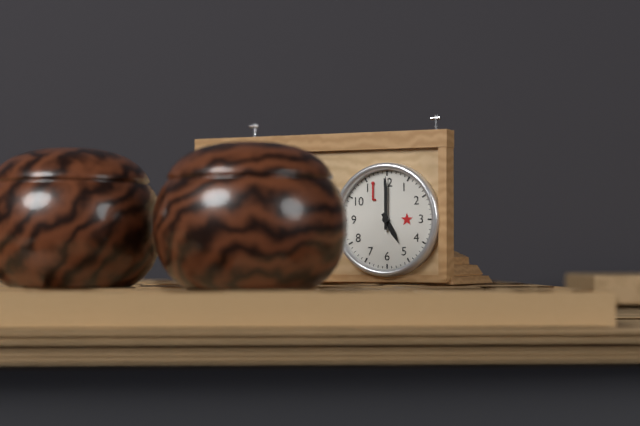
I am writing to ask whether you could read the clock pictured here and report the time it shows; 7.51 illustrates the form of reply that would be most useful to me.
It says 5.00
